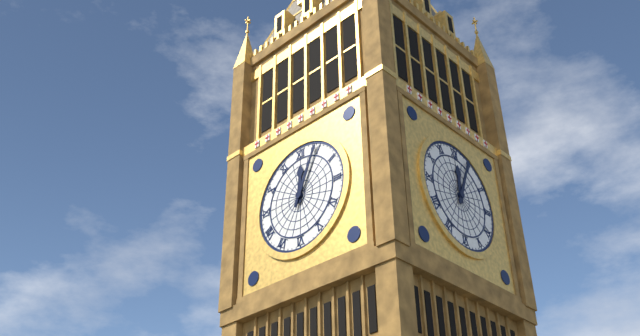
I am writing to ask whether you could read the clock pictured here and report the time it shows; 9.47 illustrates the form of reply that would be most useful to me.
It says 12.04
